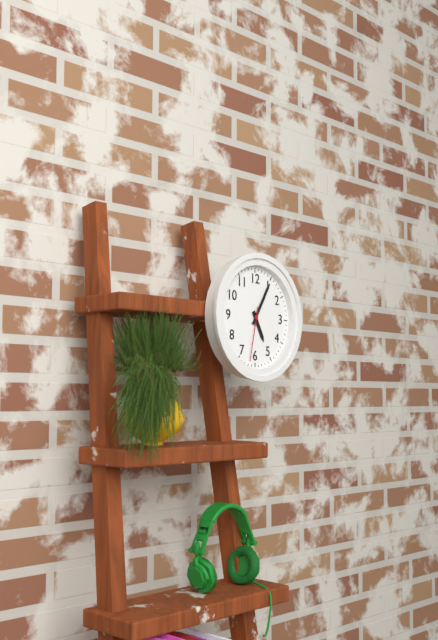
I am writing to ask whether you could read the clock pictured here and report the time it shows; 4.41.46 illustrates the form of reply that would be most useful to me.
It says 5.05.32
